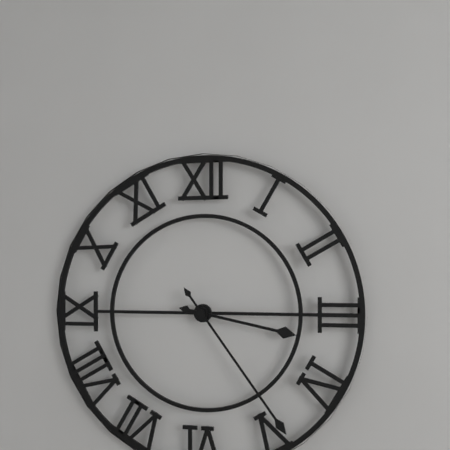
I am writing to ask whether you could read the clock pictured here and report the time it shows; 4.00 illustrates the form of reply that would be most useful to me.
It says 3.24
